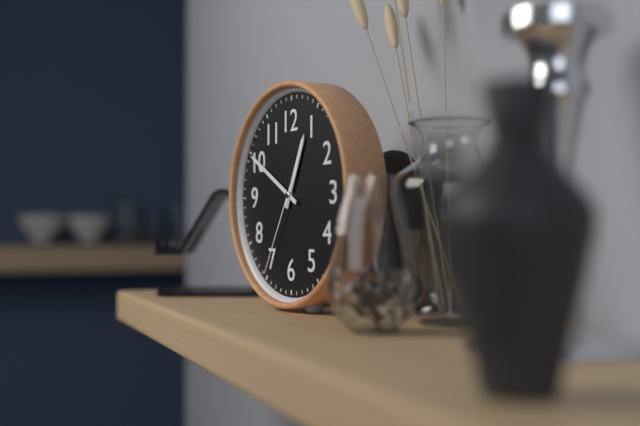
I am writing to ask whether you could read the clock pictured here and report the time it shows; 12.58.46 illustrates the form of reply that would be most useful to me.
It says 12.50.35
